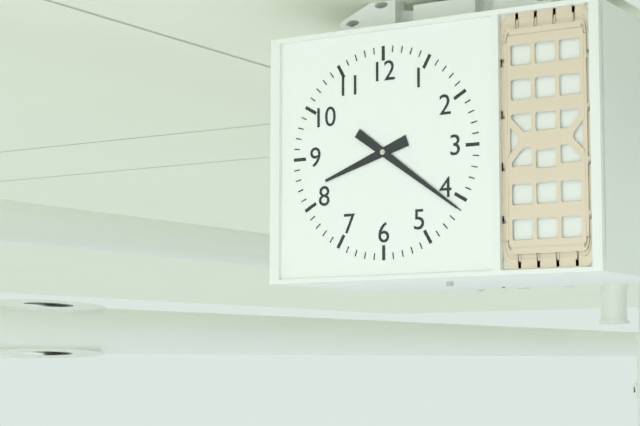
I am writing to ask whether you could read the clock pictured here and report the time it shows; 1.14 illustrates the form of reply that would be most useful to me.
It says 8.21
